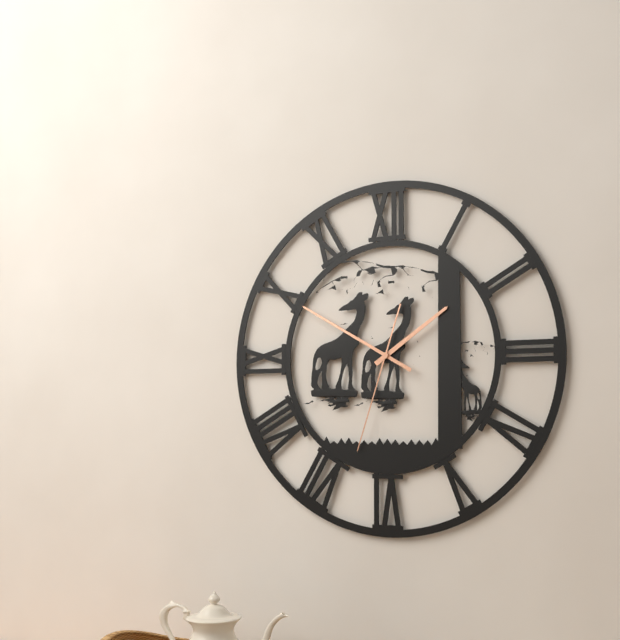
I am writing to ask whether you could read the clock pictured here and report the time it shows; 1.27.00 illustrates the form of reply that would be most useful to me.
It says 1.50.33
